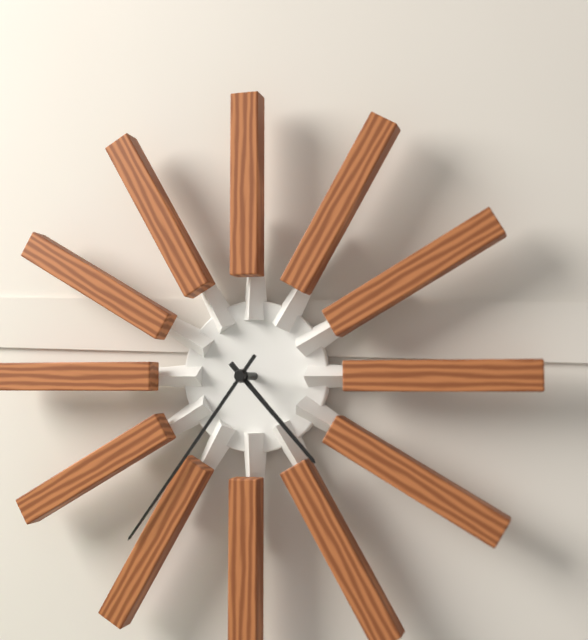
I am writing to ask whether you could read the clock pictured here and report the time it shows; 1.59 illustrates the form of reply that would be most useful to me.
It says 4.36
